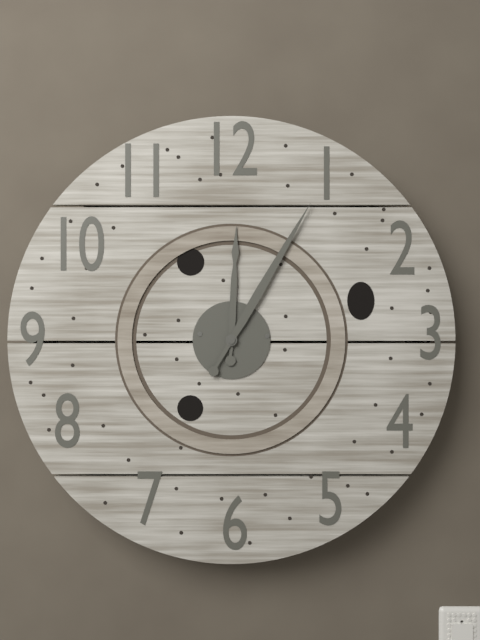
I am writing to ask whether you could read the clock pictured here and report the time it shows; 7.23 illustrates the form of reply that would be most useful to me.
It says 12.05
